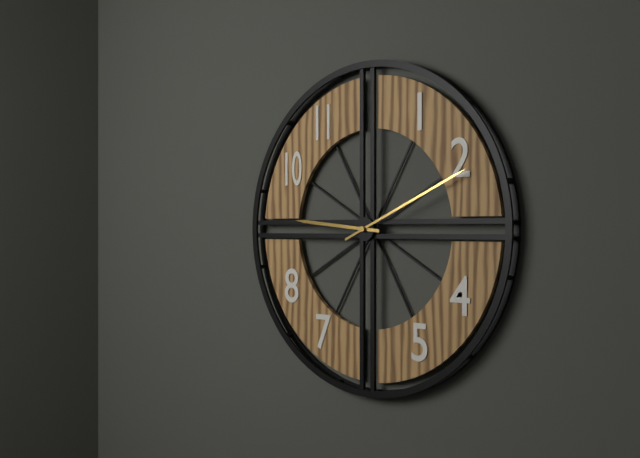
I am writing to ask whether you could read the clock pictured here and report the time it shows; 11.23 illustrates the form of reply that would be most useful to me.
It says 9.11
